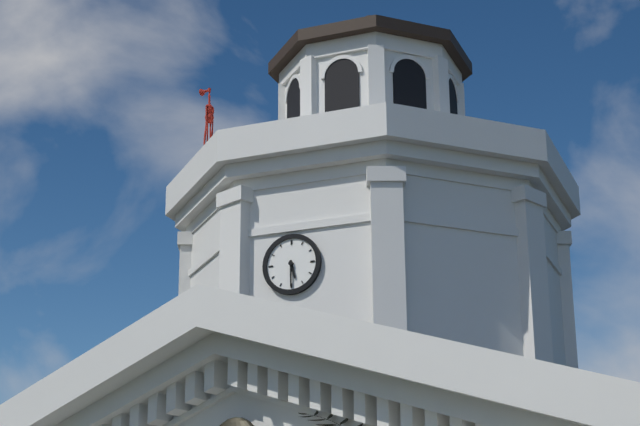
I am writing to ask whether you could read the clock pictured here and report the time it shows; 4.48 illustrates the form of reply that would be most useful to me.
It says 5.30
